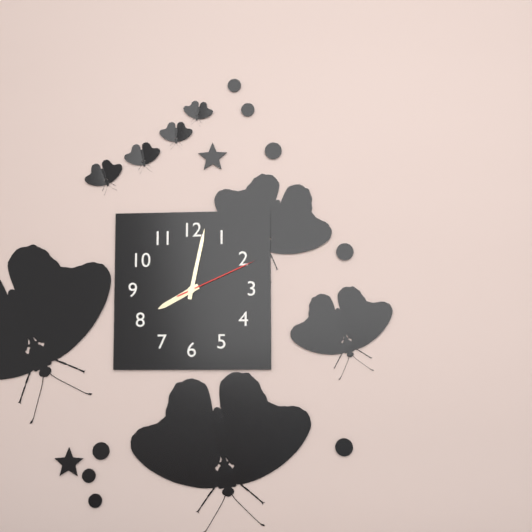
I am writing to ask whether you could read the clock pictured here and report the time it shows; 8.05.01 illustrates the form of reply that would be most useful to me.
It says 8.02.11
